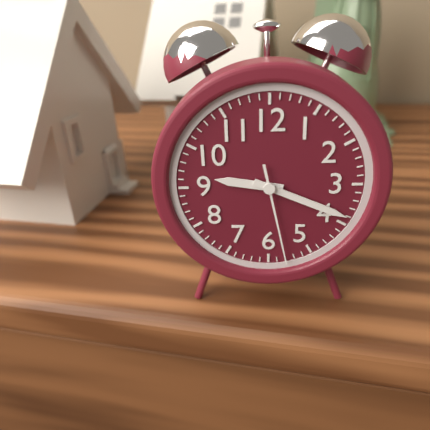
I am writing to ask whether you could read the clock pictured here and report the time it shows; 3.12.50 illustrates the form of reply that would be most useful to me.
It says 9.19.28
